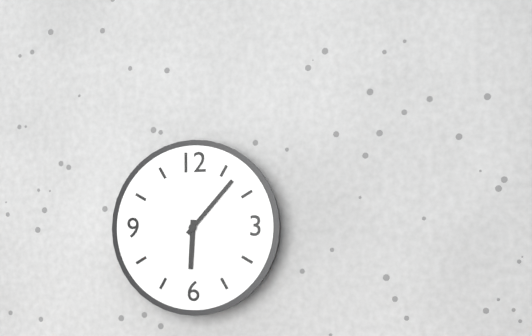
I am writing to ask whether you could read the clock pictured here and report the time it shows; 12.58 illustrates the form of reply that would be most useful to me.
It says 6.07
